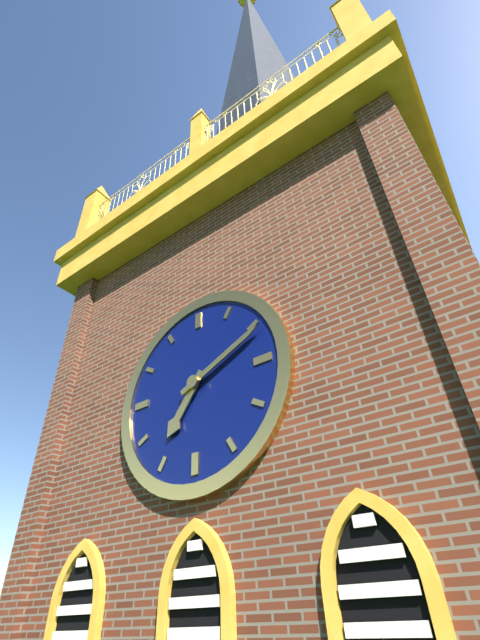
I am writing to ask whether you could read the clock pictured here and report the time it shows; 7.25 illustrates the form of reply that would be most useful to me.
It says 7.11
